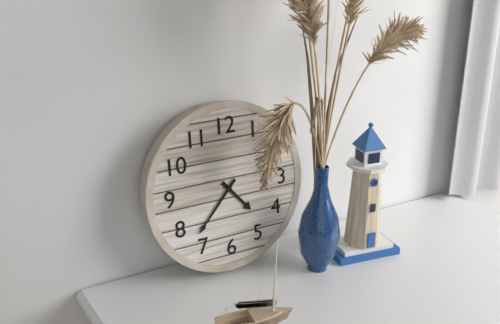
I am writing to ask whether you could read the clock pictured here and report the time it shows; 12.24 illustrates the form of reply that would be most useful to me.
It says 4.37
